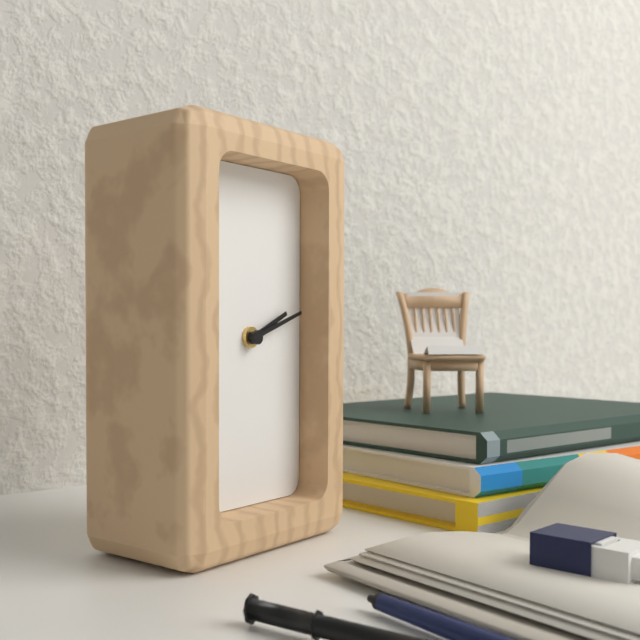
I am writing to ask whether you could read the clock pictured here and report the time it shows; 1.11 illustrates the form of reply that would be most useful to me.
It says 2.12
